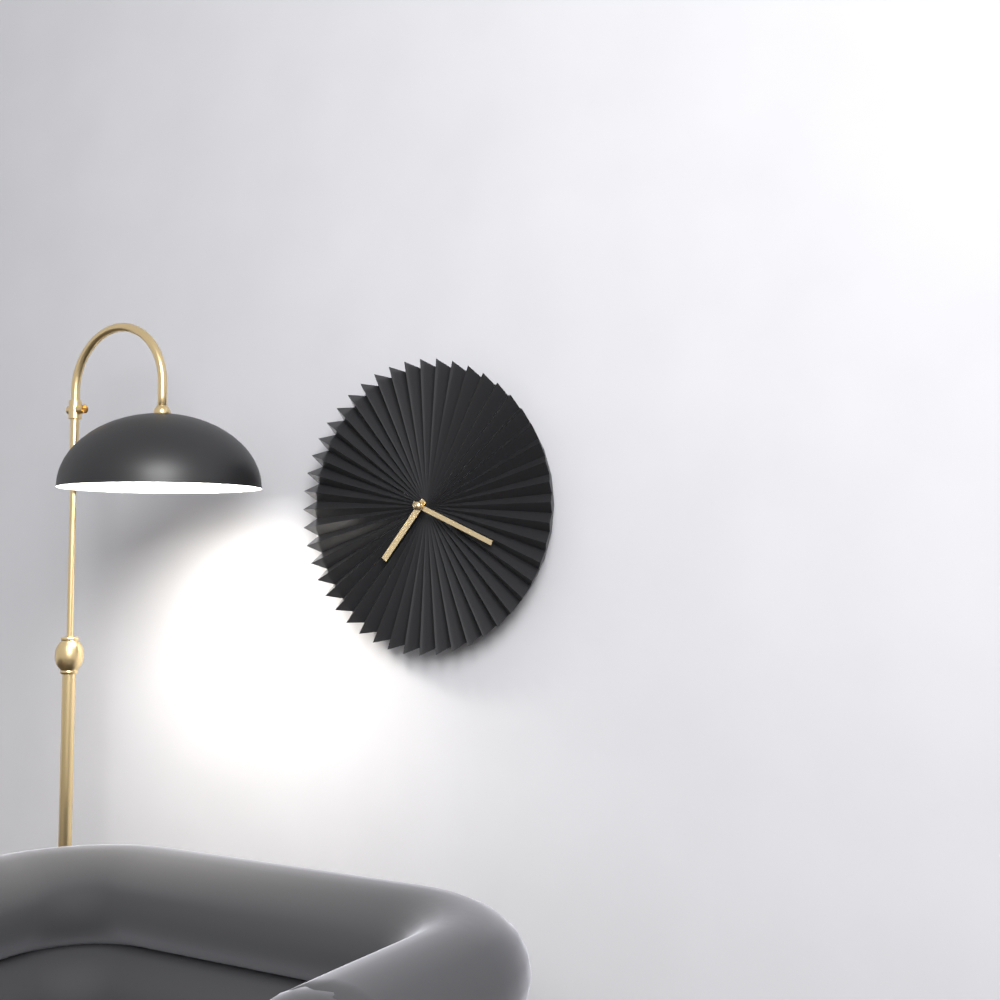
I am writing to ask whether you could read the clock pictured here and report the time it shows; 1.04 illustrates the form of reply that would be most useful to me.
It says 7.19
